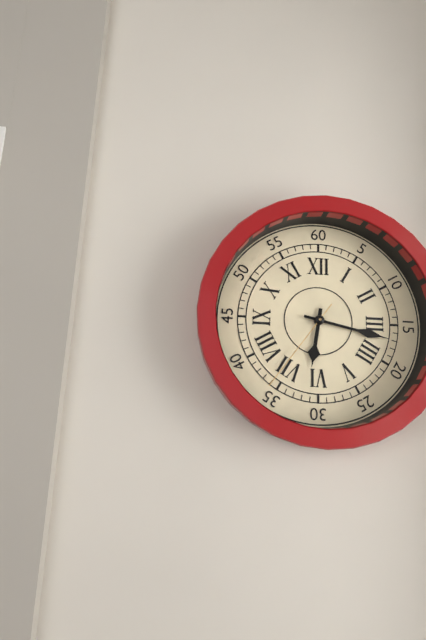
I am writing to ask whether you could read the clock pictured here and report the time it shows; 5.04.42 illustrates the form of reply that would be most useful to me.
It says 6.17.36
